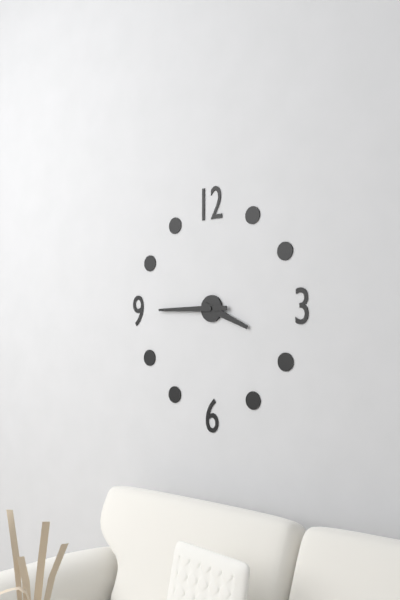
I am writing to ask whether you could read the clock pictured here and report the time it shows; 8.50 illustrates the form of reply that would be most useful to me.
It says 3.45
